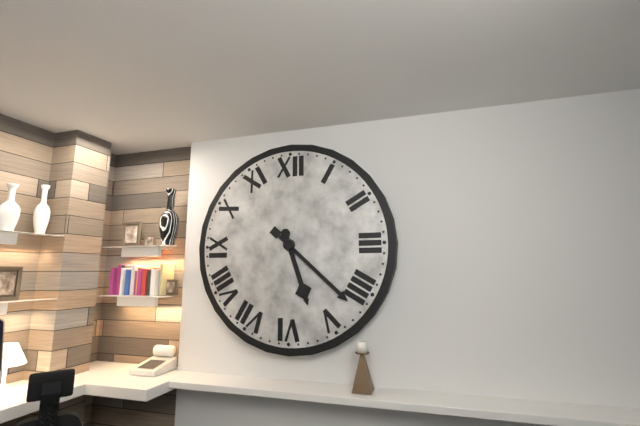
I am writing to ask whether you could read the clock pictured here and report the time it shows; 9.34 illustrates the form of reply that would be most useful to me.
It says 5.22
